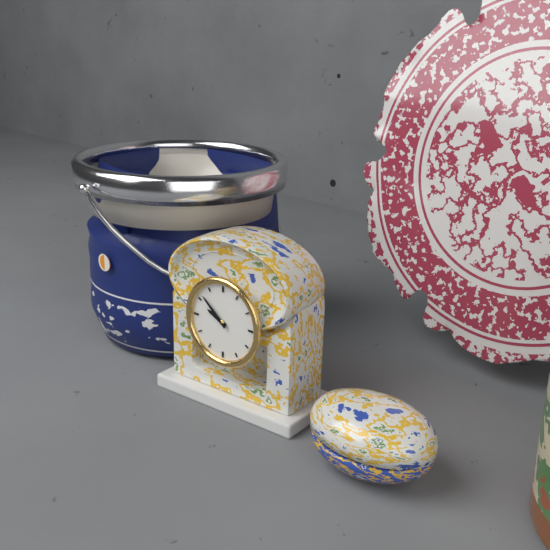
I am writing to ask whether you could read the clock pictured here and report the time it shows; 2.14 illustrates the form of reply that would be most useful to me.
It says 9.52
